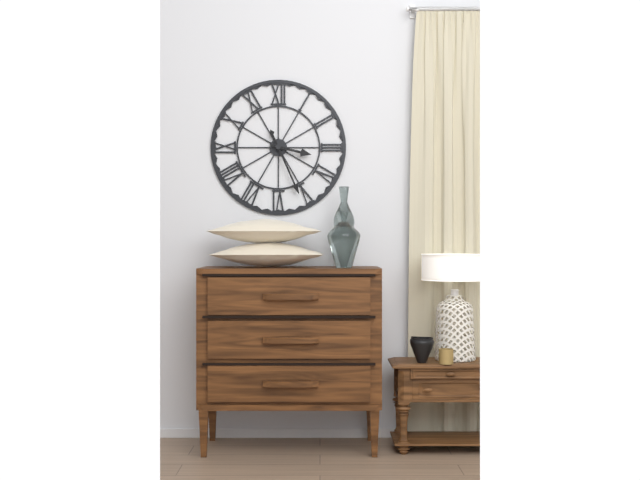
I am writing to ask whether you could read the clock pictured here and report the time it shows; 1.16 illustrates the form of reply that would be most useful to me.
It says 3.26
